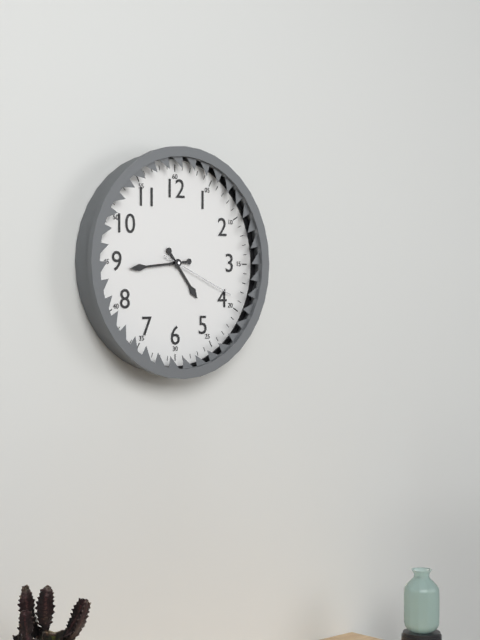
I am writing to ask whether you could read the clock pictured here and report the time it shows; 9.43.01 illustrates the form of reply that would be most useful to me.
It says 4.44.19
